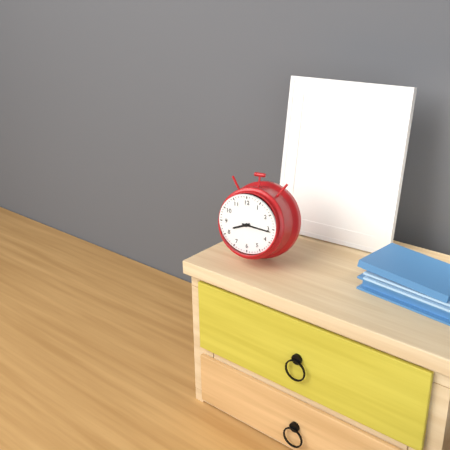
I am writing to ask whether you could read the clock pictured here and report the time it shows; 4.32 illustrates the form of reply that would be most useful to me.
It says 8.16
